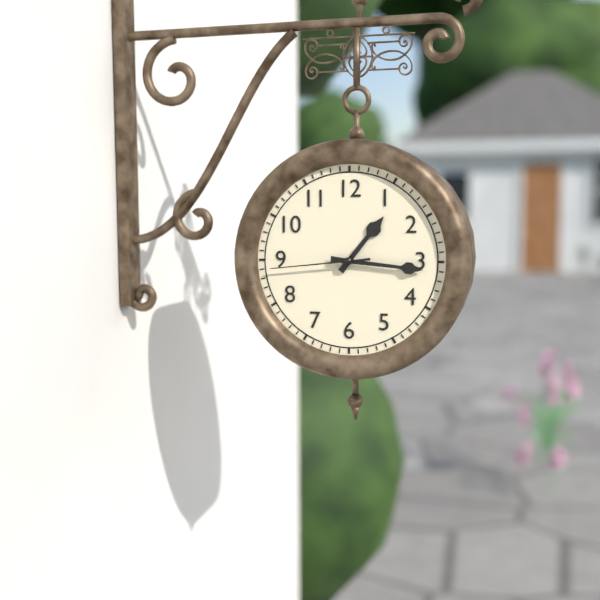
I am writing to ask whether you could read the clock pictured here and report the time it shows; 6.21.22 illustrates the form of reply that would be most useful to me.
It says 1.16.44
